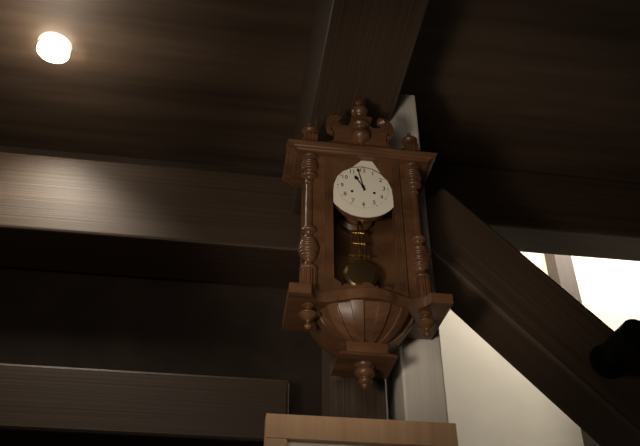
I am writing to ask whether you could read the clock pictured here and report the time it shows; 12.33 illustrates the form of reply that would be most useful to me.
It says 10.58
